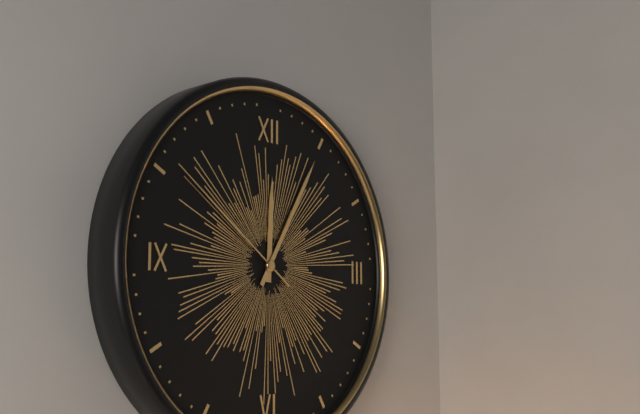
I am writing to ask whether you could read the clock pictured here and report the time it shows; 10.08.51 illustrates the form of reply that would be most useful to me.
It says 12.05.51
